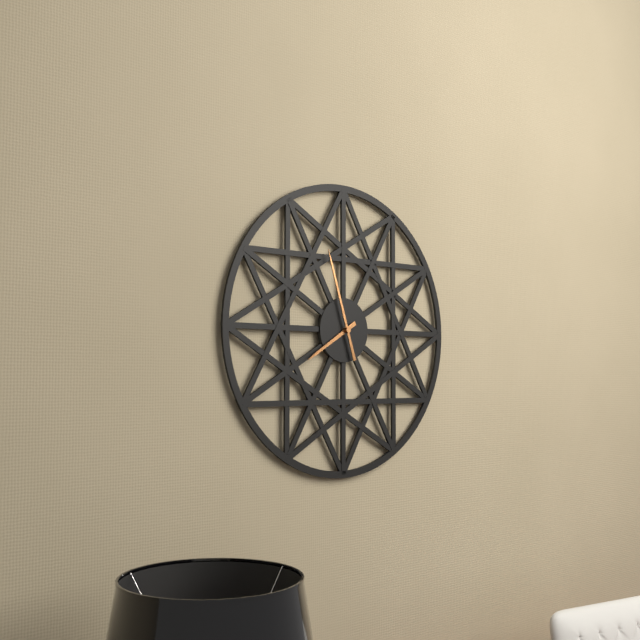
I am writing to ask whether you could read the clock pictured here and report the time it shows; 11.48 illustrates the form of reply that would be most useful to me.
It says 7.57
